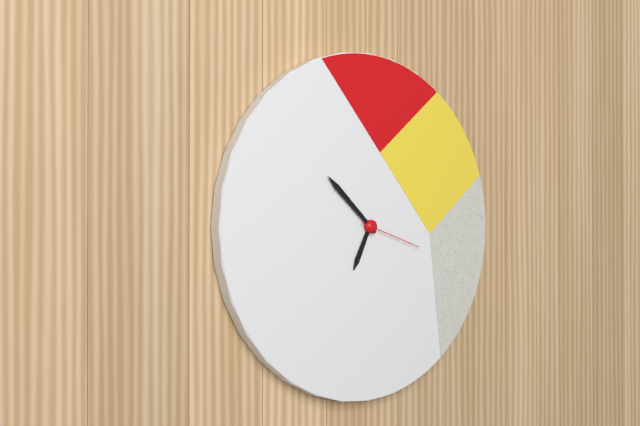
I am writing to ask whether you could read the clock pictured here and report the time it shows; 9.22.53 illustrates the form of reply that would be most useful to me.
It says 6.52.18
